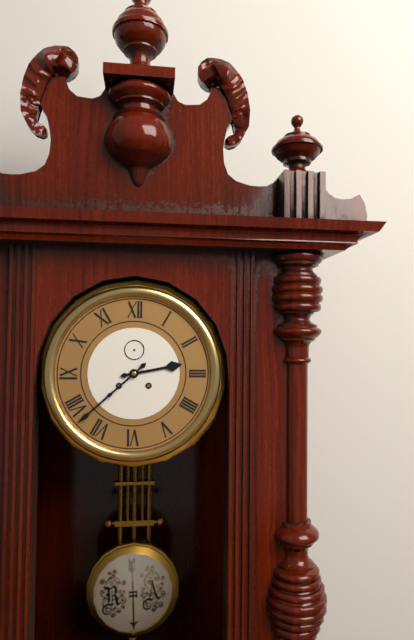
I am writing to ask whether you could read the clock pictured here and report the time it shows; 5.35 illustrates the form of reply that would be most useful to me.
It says 2.38
